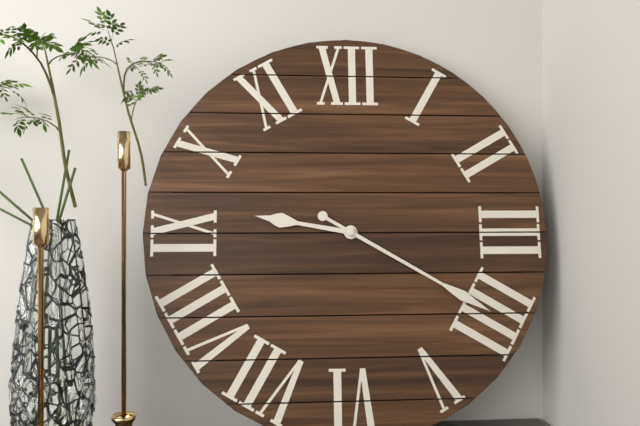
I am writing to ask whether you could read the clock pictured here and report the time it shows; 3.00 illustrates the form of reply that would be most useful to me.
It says 9.20
